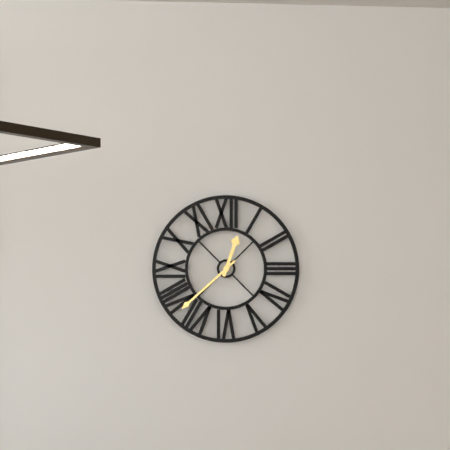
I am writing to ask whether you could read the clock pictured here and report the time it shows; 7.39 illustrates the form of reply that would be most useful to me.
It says 12.38
